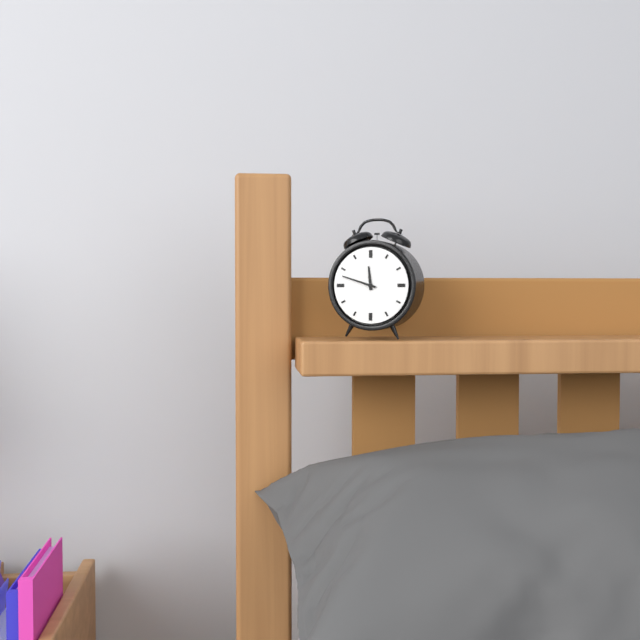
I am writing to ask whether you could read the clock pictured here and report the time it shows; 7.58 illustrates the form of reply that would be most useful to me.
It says 11.48
